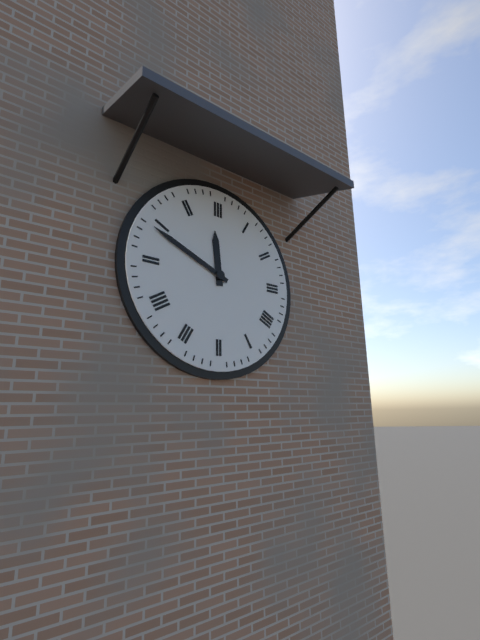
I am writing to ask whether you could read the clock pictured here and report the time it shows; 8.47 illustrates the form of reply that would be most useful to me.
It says 11.49
